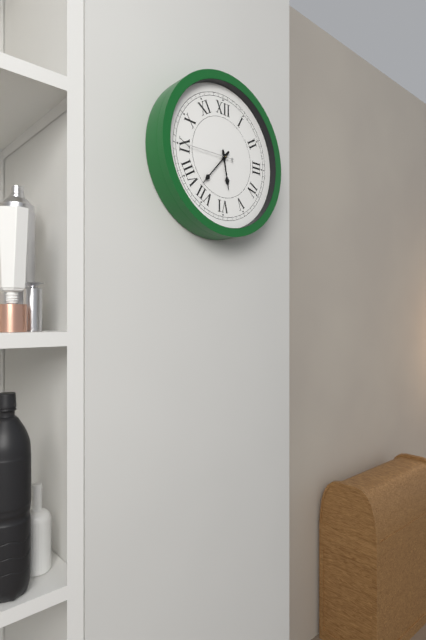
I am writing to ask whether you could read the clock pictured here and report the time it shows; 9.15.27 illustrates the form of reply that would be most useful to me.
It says 5.37.45
